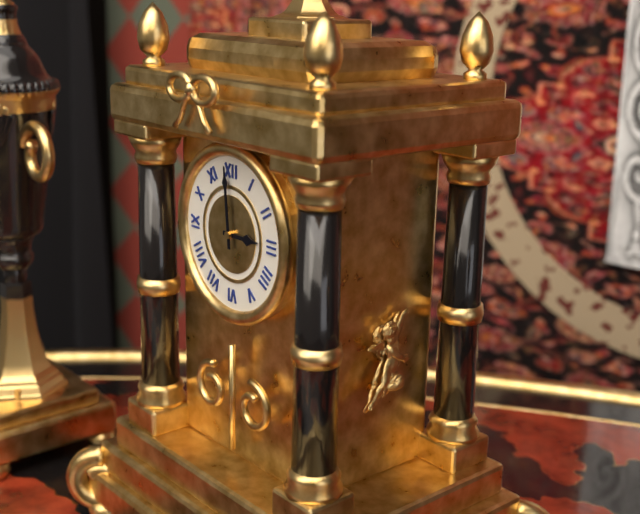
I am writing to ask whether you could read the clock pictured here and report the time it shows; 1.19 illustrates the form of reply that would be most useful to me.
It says 2.59
